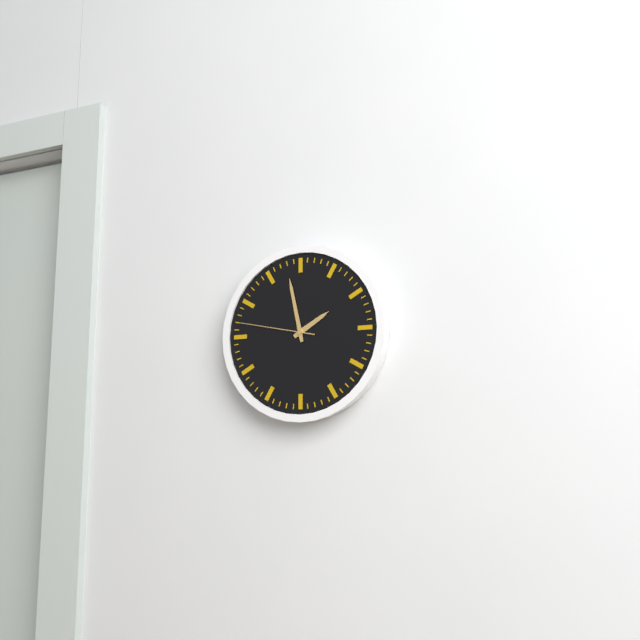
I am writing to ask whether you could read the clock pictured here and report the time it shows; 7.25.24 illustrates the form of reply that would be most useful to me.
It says 1.58.47
